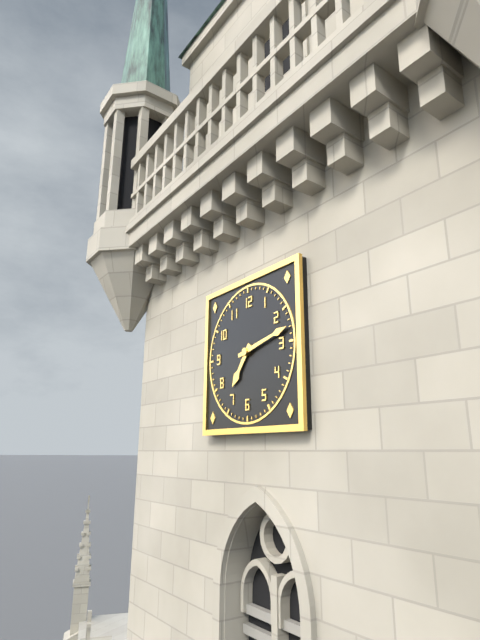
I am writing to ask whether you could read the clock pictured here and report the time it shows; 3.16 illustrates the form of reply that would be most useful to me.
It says 7.13
